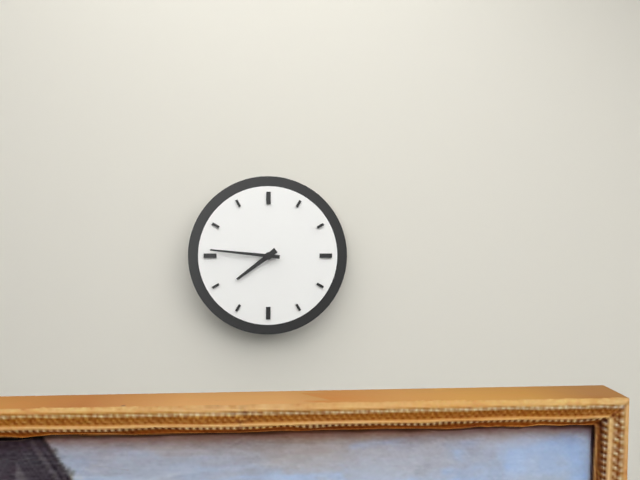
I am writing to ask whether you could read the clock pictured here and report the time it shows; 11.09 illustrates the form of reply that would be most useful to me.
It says 7.46
